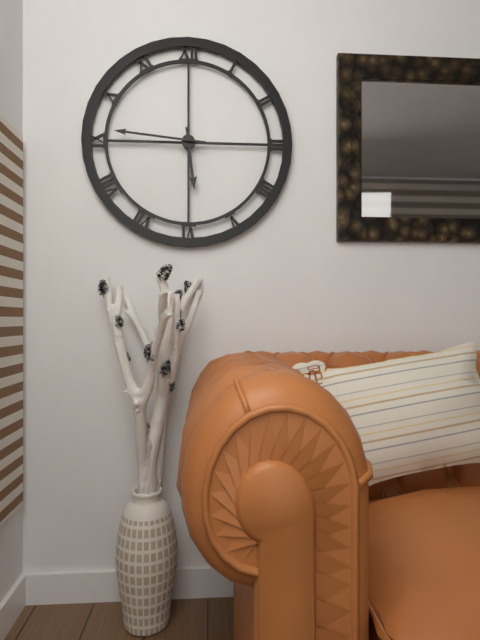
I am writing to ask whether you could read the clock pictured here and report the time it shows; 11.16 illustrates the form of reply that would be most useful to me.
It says 5.46
